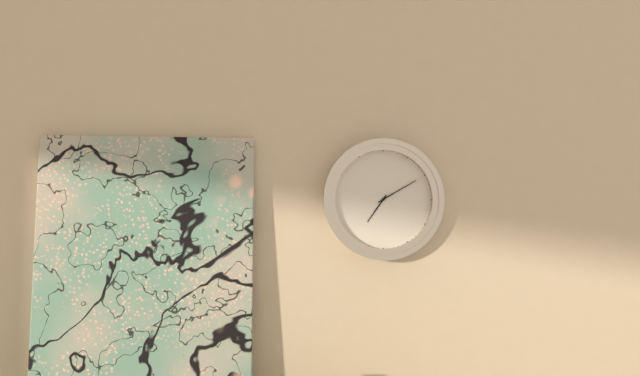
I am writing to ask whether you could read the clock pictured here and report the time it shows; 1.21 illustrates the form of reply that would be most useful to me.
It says 7.10
